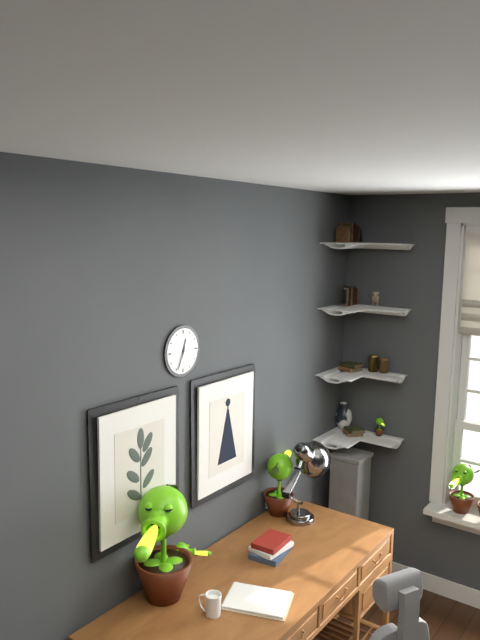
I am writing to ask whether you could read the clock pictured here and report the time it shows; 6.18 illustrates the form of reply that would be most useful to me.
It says 12.34
